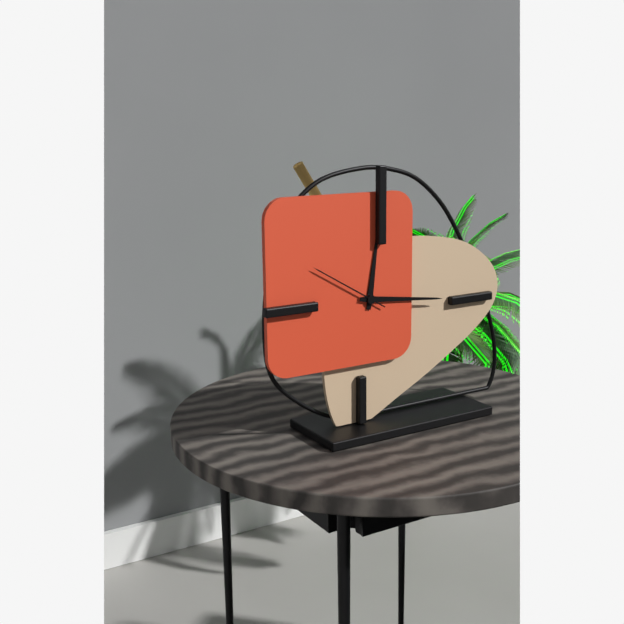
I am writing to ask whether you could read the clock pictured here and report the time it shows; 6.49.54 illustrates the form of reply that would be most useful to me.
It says 12.16.50
